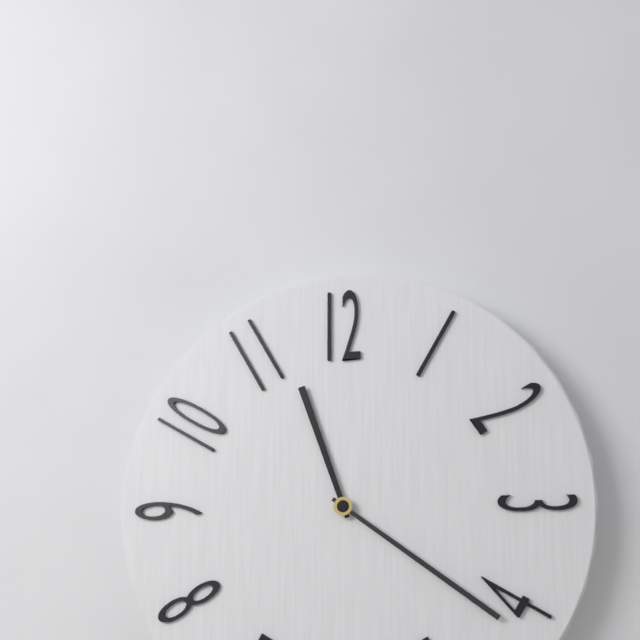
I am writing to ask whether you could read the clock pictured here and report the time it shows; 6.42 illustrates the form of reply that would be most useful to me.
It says 11.21
